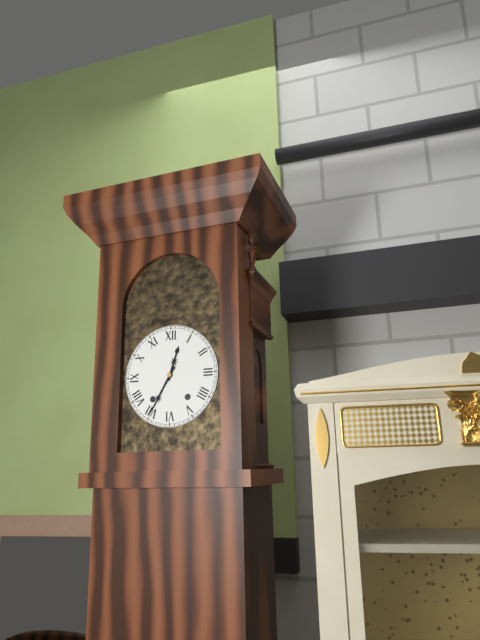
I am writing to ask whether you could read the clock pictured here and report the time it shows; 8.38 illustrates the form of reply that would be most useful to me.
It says 12.35
